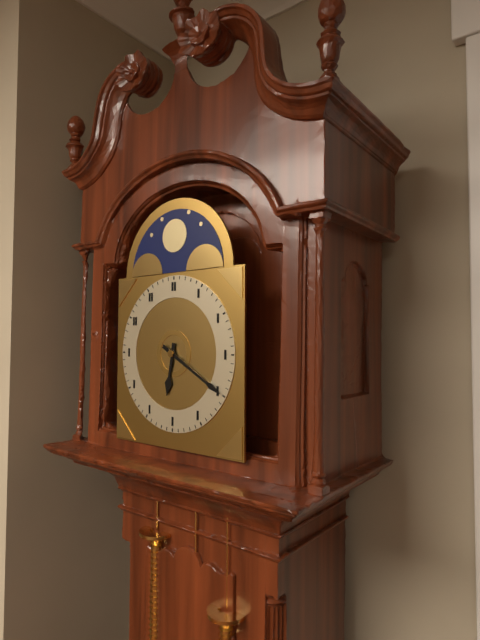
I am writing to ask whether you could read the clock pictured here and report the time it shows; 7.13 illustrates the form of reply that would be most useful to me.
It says 6.20
